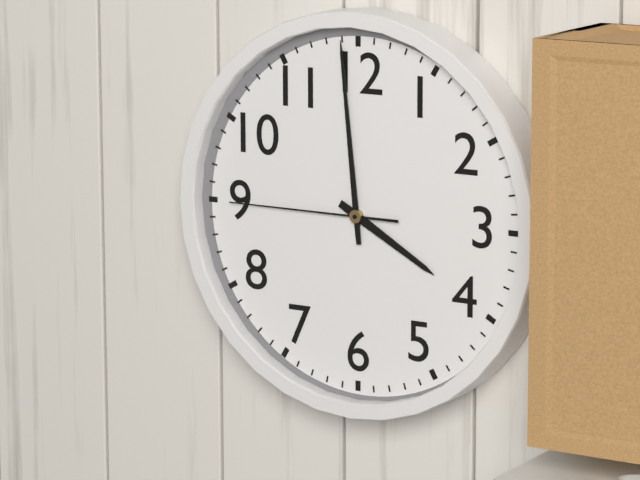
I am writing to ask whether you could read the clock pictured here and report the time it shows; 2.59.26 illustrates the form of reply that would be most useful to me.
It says 3.59.45
